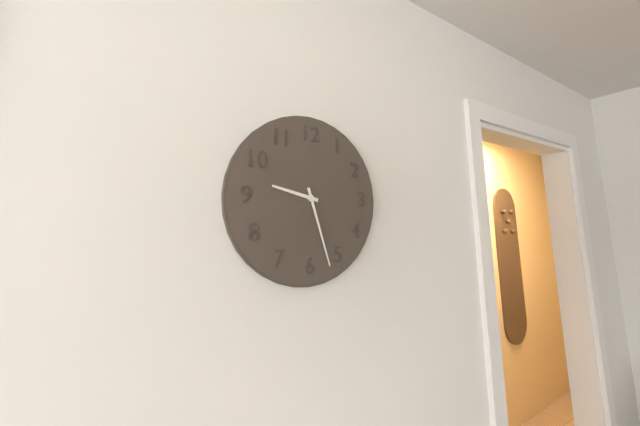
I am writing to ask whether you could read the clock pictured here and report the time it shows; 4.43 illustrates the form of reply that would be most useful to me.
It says 9.27
